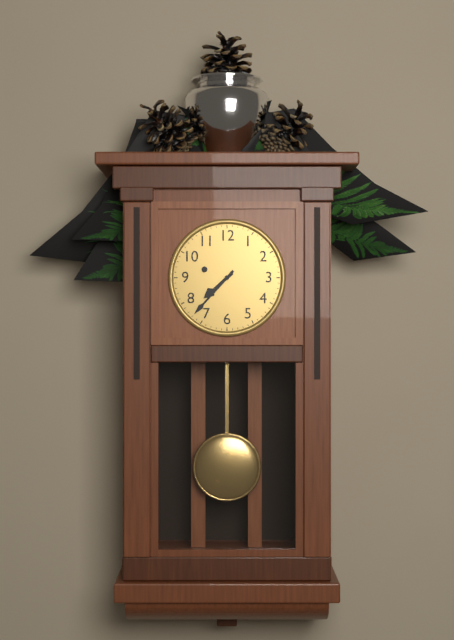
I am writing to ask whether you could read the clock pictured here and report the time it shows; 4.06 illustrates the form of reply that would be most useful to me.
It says 7.37
